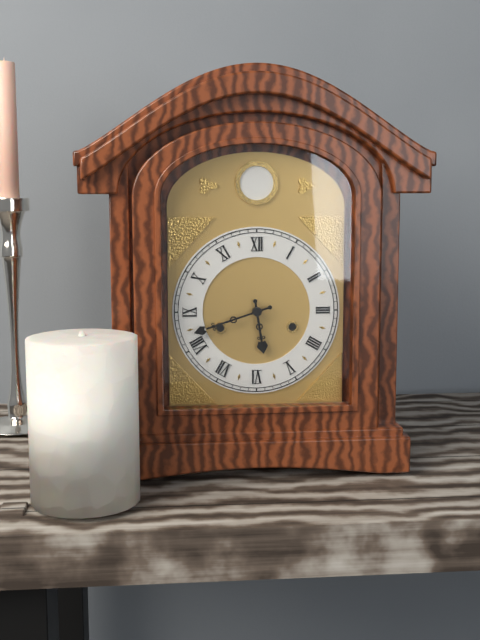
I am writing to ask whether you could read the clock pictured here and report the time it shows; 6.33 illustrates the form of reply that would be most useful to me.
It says 5.42
